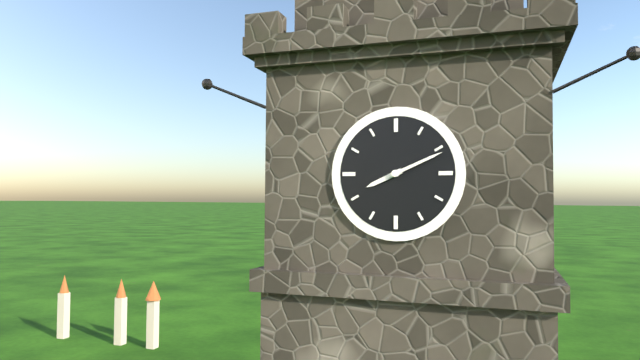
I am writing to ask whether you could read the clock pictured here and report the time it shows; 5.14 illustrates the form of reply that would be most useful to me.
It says 8.11
